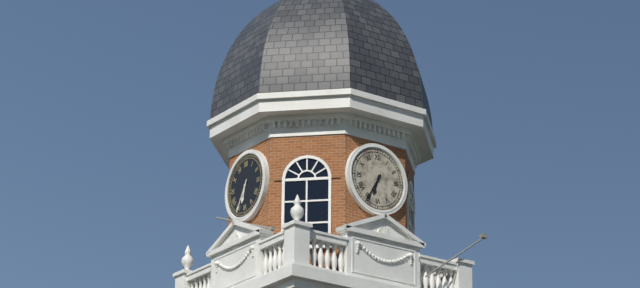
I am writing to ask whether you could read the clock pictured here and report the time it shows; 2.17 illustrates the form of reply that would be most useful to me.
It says 6.35
